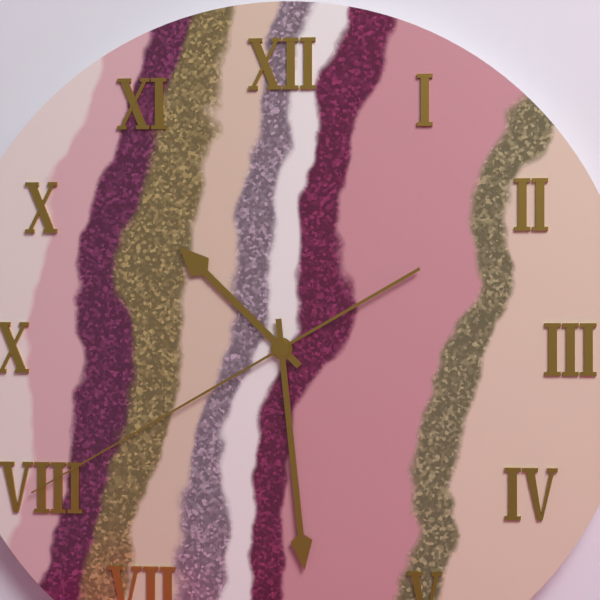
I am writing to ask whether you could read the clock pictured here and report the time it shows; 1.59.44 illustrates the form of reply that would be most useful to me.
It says 10.29.40
